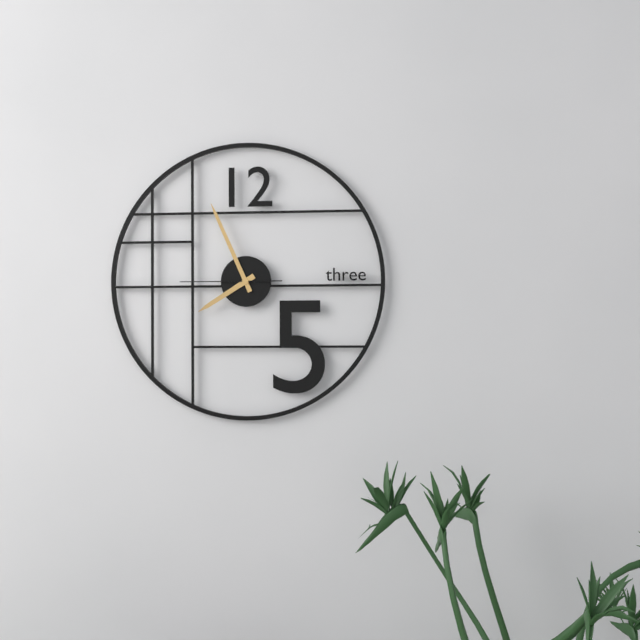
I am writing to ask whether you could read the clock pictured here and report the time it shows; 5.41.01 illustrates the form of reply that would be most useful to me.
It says 7.56.45
